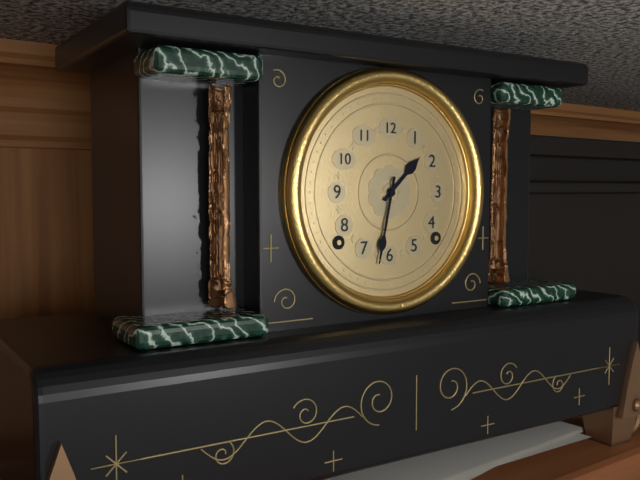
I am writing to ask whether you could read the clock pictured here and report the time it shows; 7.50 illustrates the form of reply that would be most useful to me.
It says 1.32
